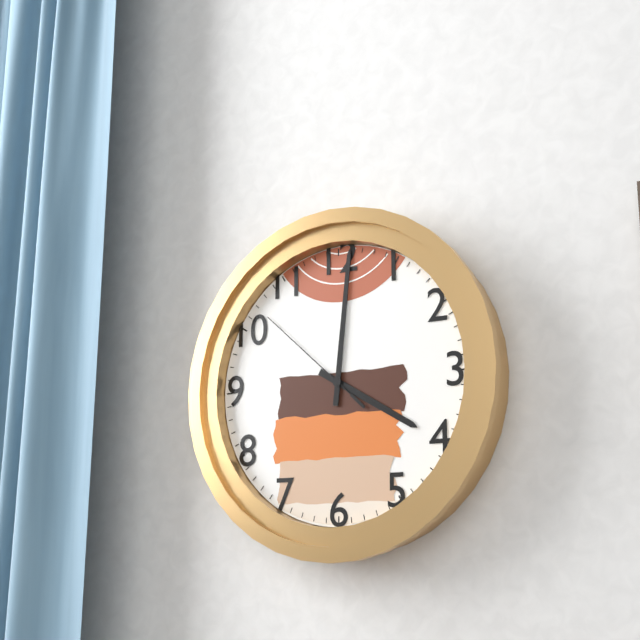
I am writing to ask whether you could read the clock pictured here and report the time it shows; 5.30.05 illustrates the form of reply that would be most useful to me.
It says 4.01.52
